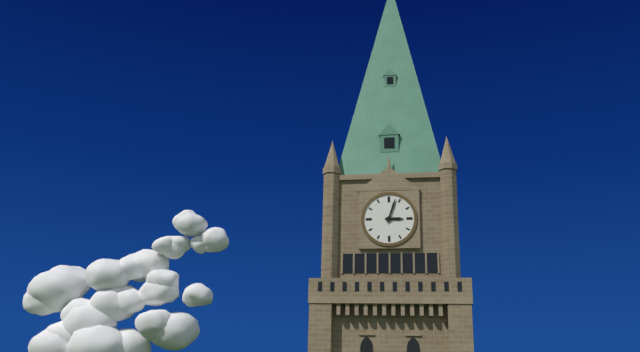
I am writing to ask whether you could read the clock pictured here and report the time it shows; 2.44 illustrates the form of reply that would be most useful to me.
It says 3.03
